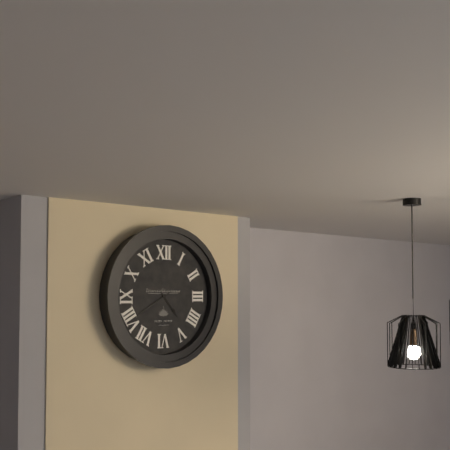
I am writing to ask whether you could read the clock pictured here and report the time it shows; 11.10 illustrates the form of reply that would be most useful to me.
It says 4.40
